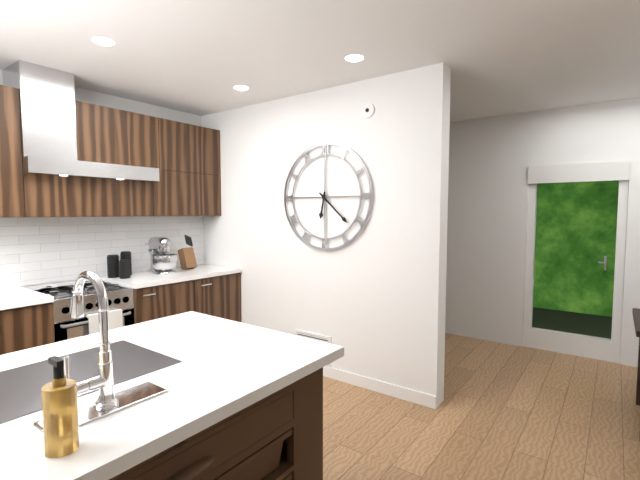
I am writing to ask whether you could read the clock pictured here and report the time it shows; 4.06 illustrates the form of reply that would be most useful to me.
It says 6.22
